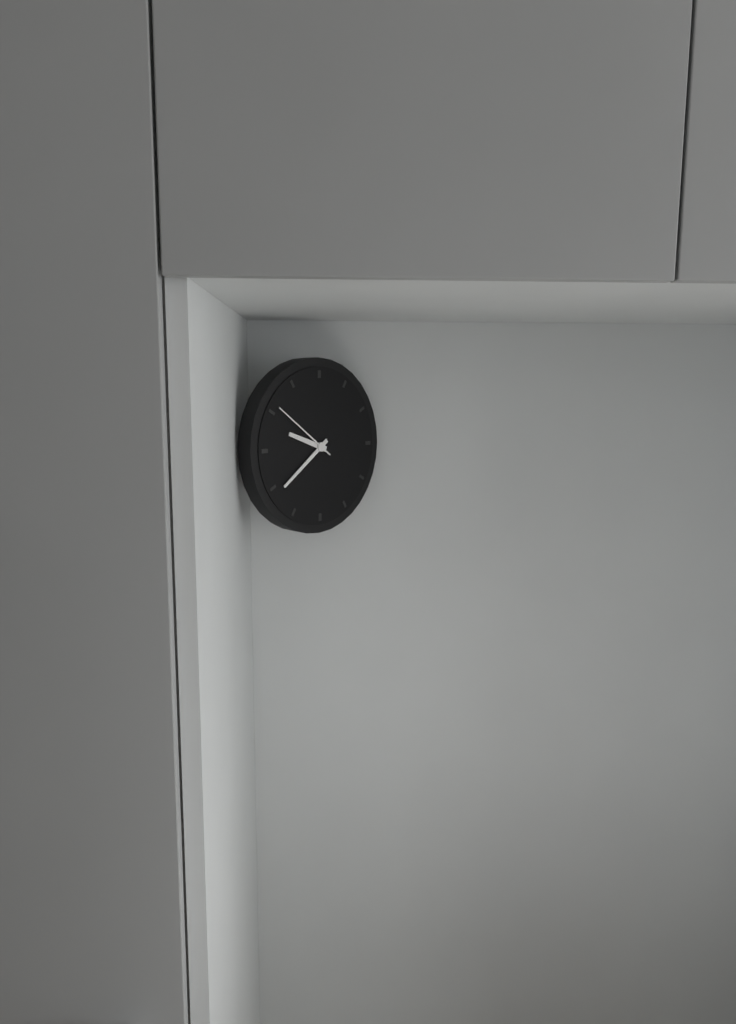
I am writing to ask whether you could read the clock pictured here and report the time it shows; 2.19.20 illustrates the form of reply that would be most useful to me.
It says 9.39.51
